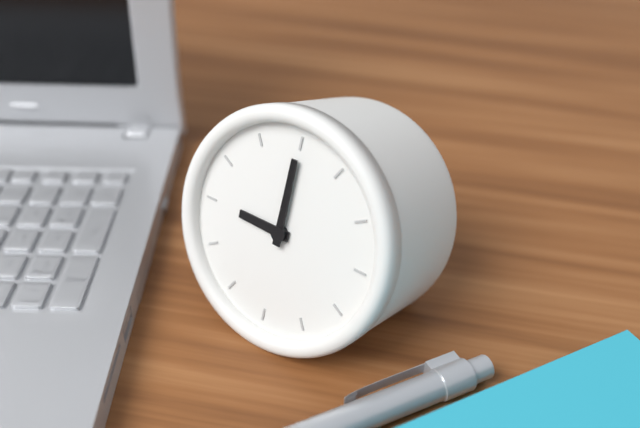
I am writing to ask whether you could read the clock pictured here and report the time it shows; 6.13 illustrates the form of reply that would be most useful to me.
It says 9.00
